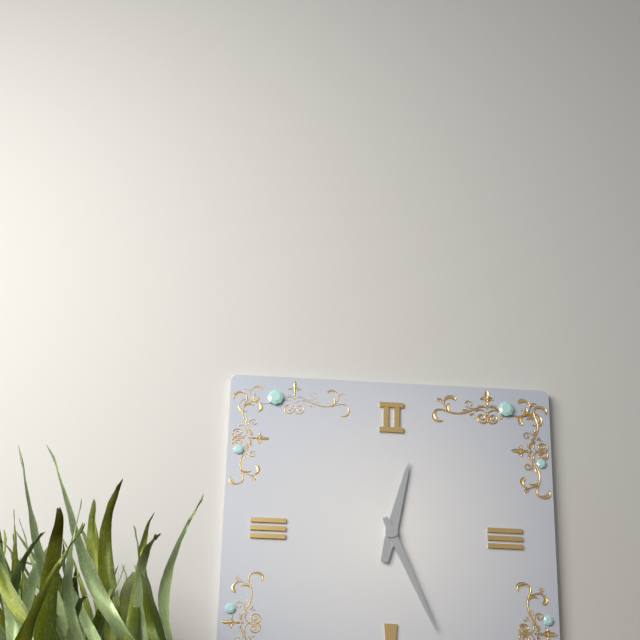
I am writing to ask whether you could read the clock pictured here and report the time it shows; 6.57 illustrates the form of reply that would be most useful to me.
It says 12.26
